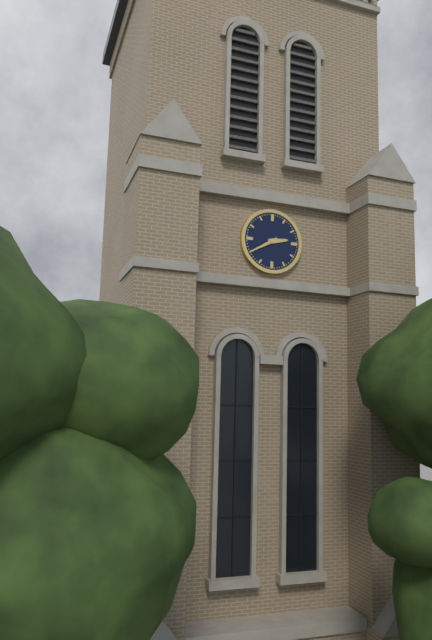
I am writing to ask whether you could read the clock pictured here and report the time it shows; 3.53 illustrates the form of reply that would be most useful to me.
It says 2.40
